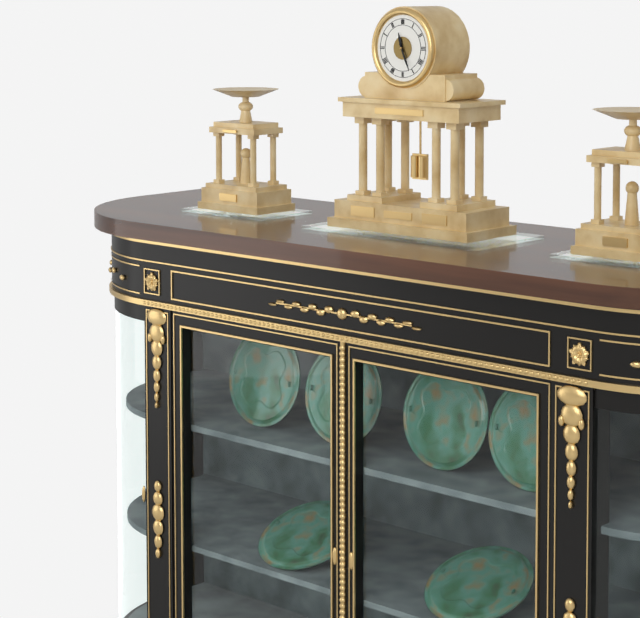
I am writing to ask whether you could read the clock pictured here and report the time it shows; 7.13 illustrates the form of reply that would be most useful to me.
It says 11.26
